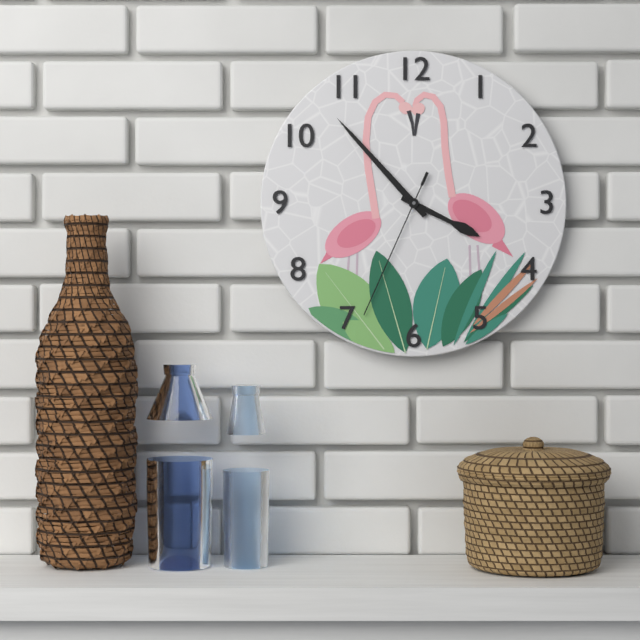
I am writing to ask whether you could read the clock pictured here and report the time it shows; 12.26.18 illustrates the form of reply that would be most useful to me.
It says 3.53.34
